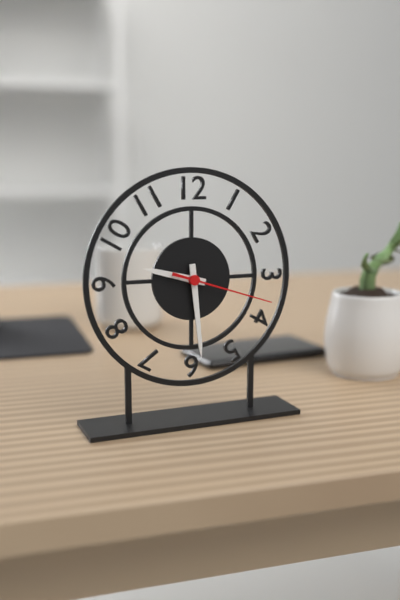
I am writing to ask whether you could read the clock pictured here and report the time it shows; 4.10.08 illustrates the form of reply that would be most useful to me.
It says 9.29.18
